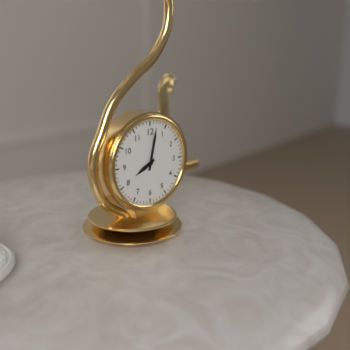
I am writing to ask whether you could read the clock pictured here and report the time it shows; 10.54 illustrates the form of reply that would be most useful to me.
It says 8.02
